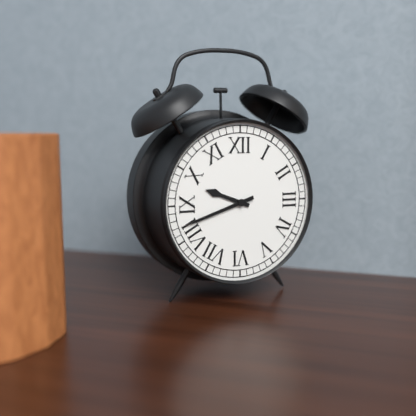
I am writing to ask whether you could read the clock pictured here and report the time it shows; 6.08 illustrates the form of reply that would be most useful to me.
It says 9.42
